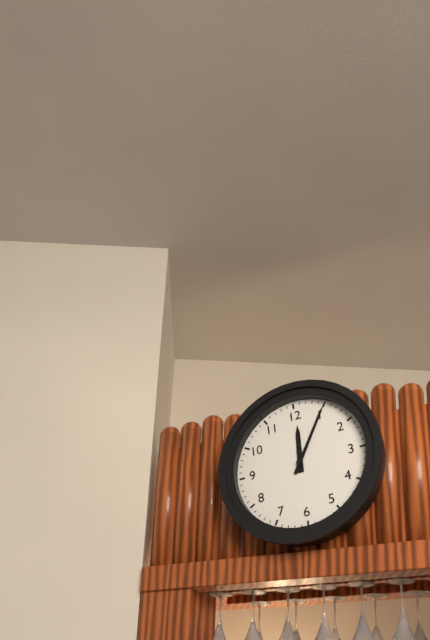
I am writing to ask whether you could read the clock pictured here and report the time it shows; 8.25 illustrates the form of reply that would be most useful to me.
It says 12.05
